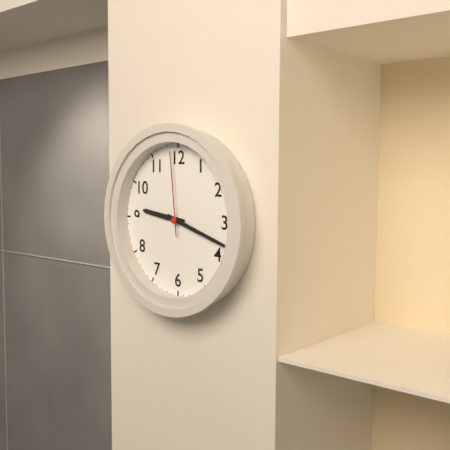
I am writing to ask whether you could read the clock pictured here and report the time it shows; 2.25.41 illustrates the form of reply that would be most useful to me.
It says 9.18.59
